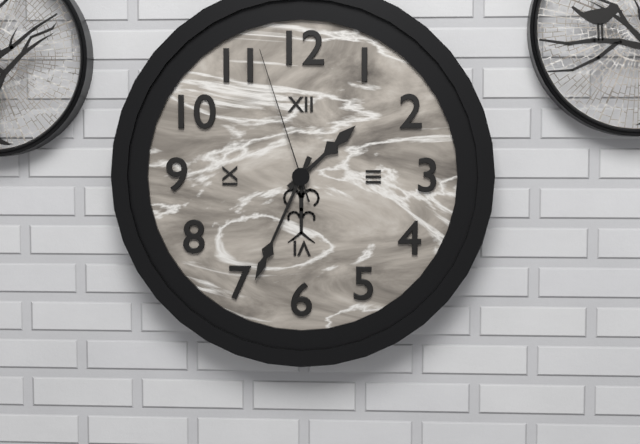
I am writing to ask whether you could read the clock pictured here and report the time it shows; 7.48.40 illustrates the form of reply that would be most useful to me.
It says 1.34.57
